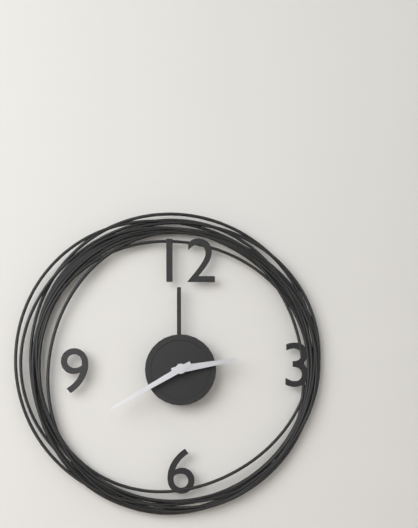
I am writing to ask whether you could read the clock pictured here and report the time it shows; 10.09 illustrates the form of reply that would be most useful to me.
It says 2.40
